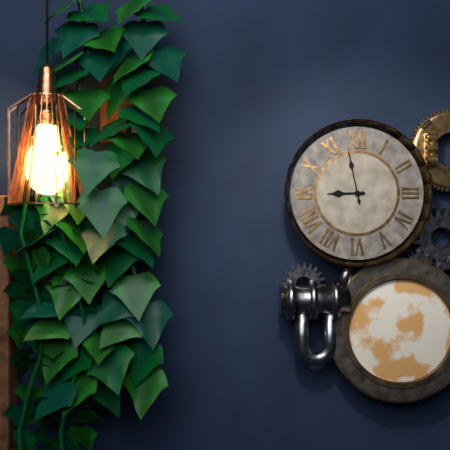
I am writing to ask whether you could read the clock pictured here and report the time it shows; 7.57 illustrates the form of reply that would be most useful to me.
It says 8.58
